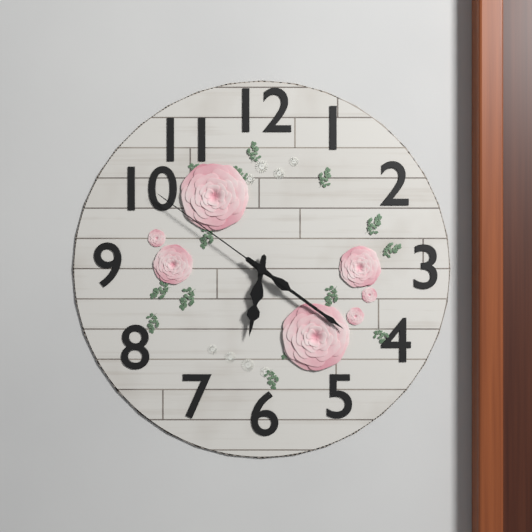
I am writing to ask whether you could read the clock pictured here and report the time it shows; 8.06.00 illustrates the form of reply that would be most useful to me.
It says 6.21.51
